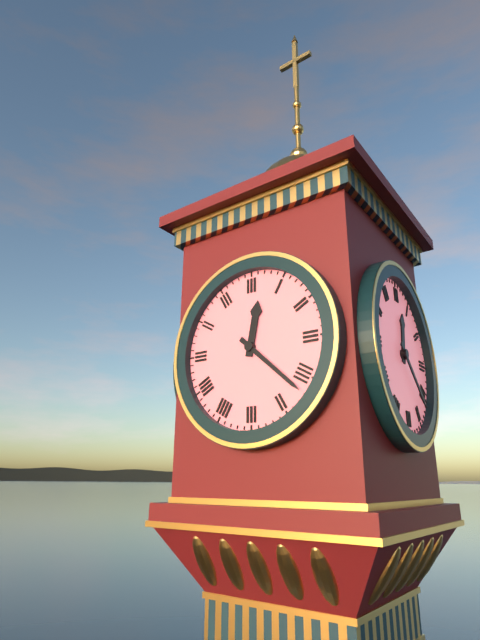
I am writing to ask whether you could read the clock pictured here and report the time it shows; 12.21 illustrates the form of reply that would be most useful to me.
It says 12.22
